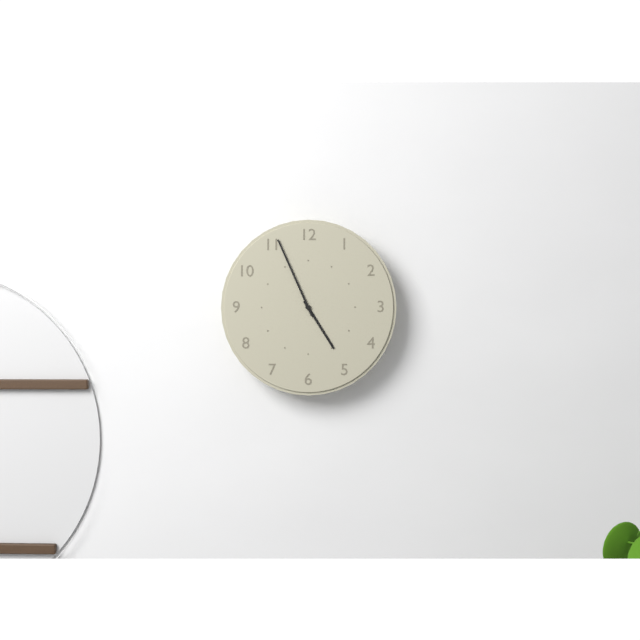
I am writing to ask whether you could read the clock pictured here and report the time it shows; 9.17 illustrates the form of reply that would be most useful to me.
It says 4.56
